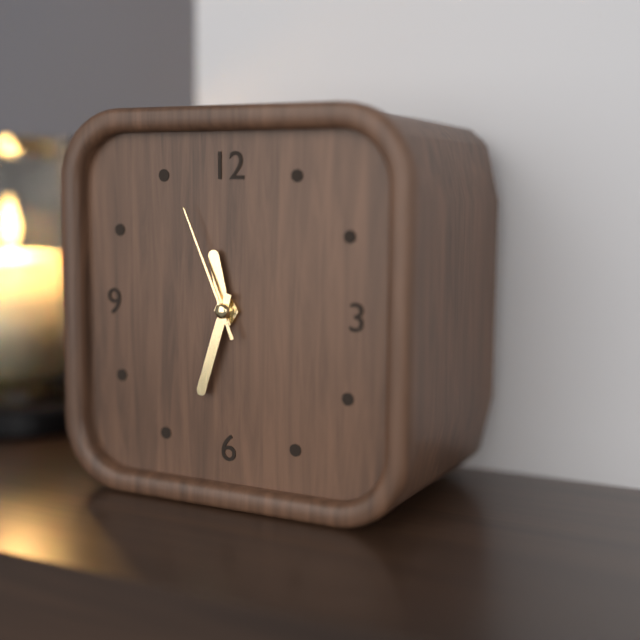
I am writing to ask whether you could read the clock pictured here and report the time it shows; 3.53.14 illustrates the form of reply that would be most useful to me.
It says 11.33.56
